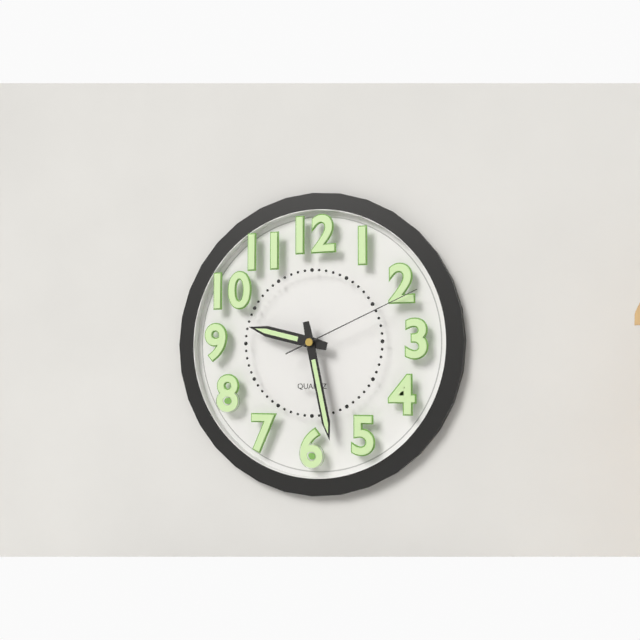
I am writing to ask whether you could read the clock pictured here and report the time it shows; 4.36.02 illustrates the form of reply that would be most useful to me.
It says 9.28.11
